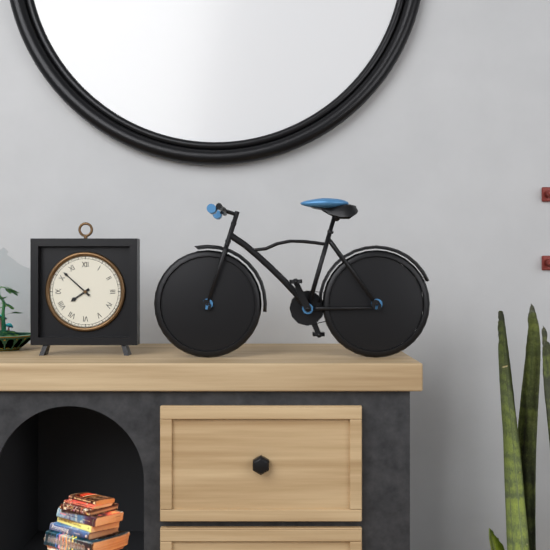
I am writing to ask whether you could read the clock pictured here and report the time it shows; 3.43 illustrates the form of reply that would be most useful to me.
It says 7.52
